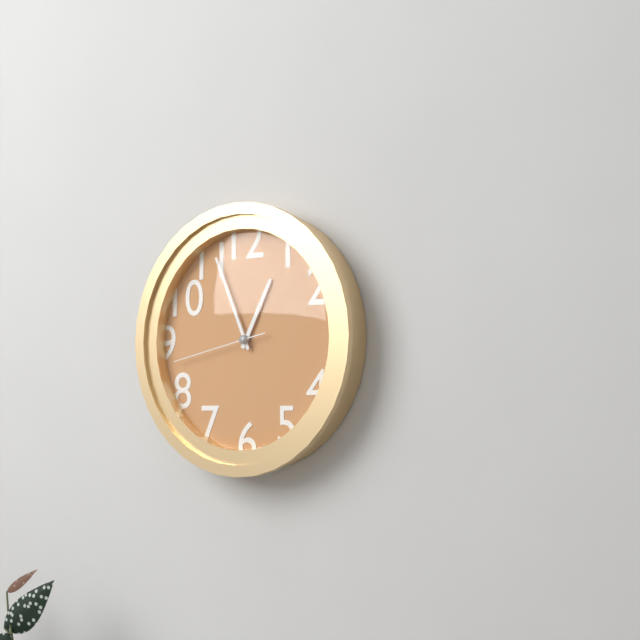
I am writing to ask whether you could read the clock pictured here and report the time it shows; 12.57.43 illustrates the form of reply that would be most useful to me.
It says 12.56.43
